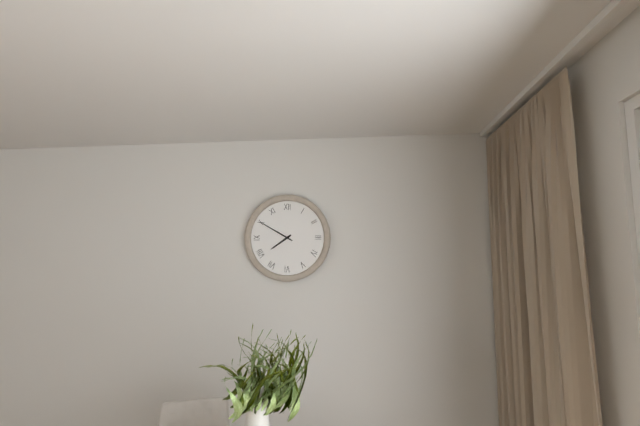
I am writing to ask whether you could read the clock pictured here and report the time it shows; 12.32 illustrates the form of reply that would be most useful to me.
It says 7.50
